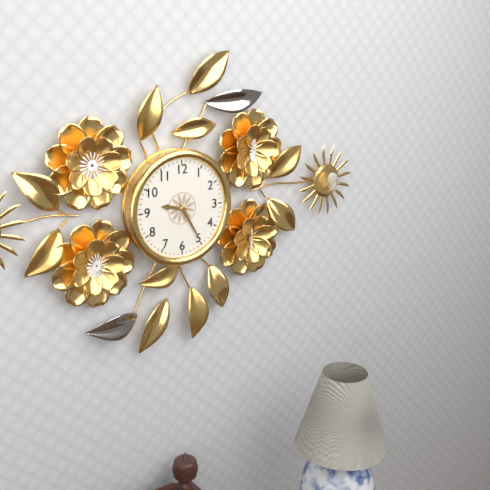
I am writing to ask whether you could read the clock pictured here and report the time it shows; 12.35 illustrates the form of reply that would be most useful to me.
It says 9.25
